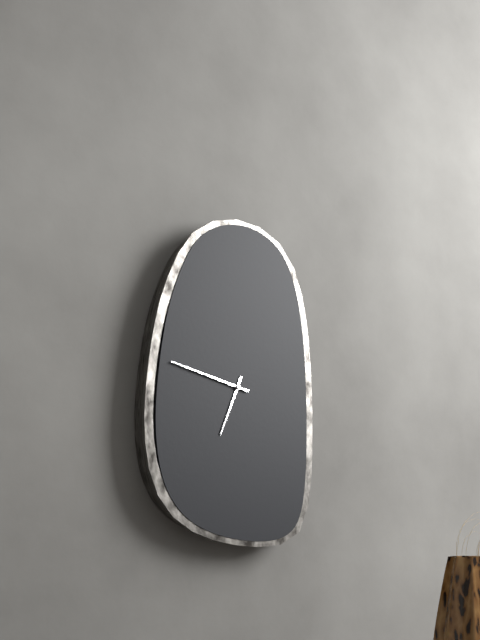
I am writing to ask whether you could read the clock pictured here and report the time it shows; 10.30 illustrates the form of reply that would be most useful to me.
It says 6.47
